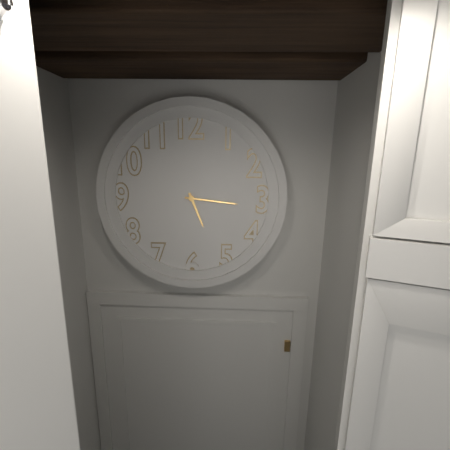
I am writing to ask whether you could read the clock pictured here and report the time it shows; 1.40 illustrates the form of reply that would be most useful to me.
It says 5.16
